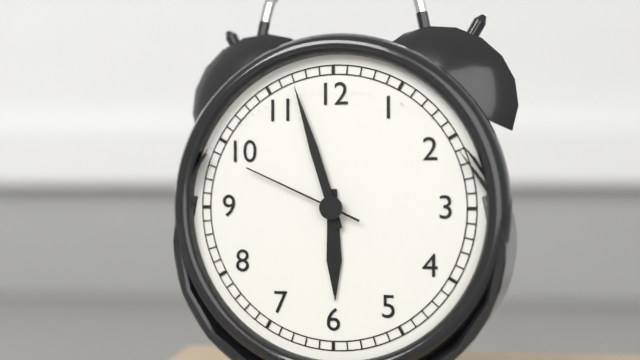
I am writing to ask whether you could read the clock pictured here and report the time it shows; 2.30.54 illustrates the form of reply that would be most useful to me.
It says 5.57.49
